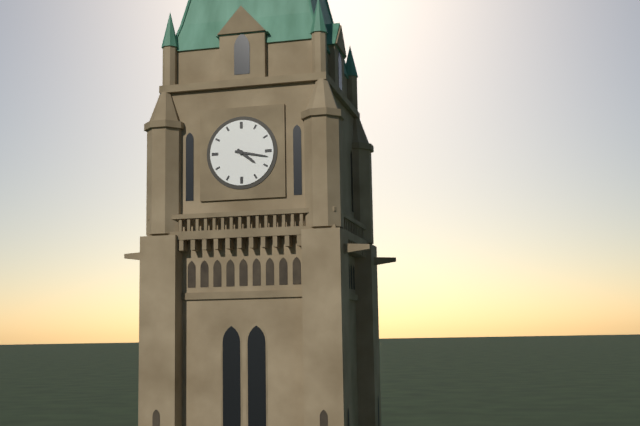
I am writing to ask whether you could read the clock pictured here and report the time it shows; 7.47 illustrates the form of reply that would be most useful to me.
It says 4.17
